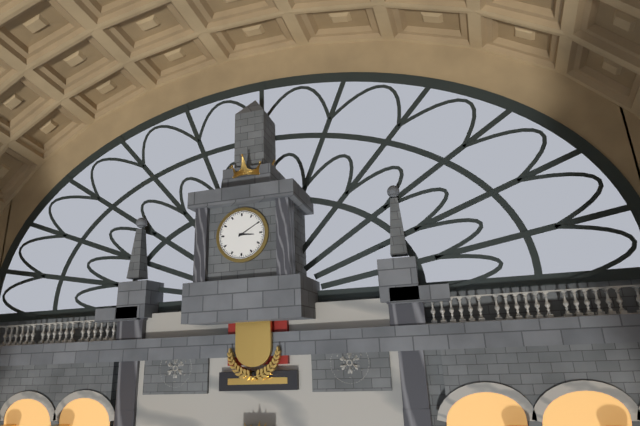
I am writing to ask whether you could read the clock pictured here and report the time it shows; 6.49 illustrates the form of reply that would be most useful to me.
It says 3.10
